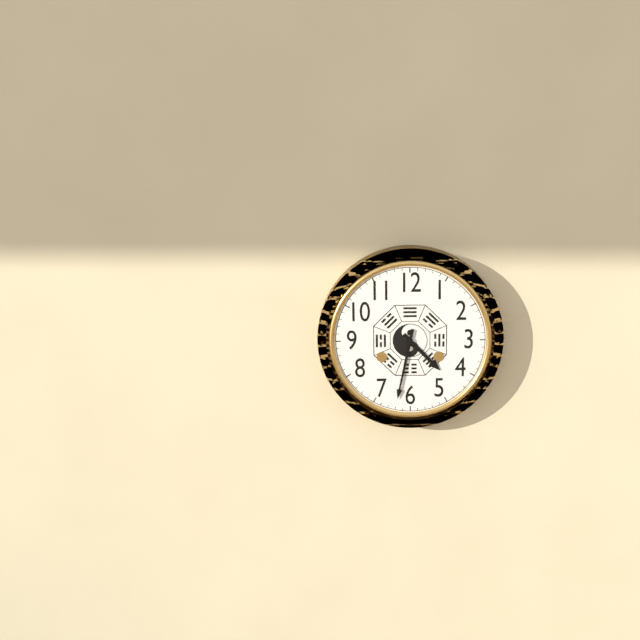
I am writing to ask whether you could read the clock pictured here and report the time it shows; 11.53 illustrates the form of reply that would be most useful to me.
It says 4.32
